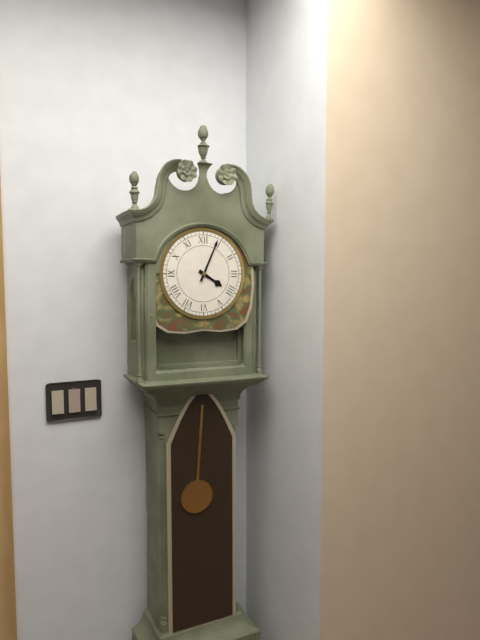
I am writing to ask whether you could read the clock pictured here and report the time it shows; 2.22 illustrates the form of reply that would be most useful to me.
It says 4.04
